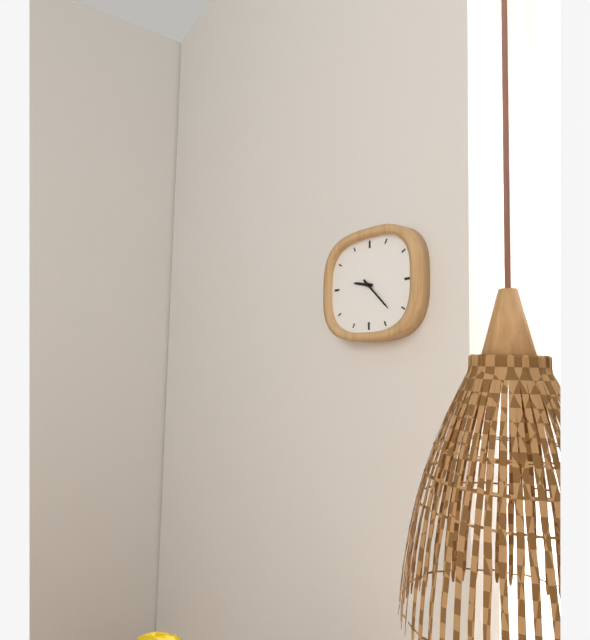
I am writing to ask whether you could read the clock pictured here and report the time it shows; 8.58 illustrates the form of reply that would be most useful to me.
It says 9.22
